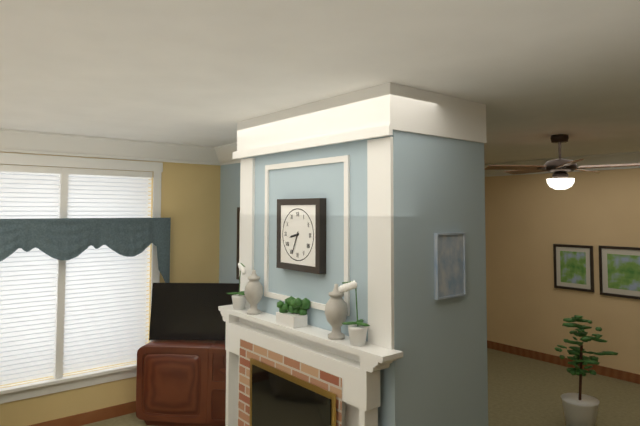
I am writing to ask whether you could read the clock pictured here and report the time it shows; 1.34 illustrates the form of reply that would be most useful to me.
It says 8.34
